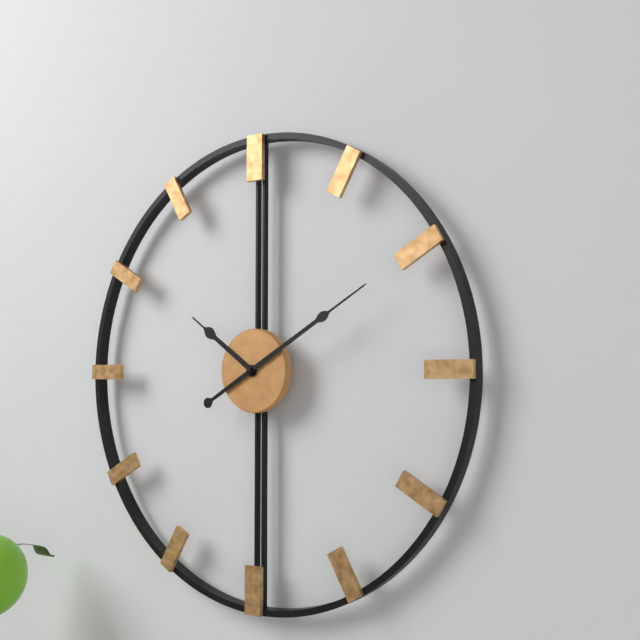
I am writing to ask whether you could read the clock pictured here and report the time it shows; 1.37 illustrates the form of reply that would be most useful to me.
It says 10.10
